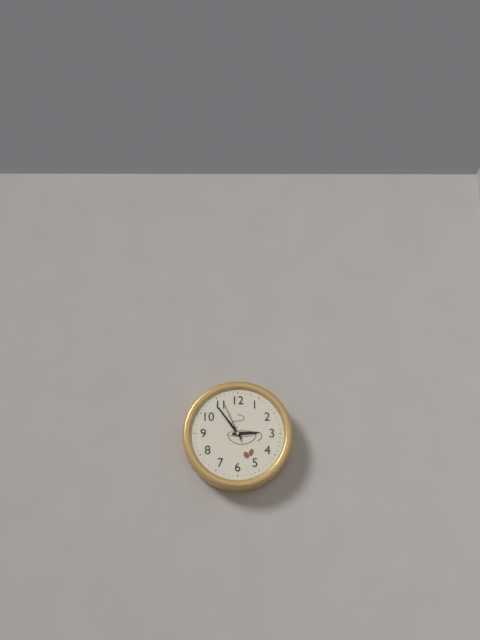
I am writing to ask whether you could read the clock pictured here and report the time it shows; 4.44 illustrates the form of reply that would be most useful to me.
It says 2.54
